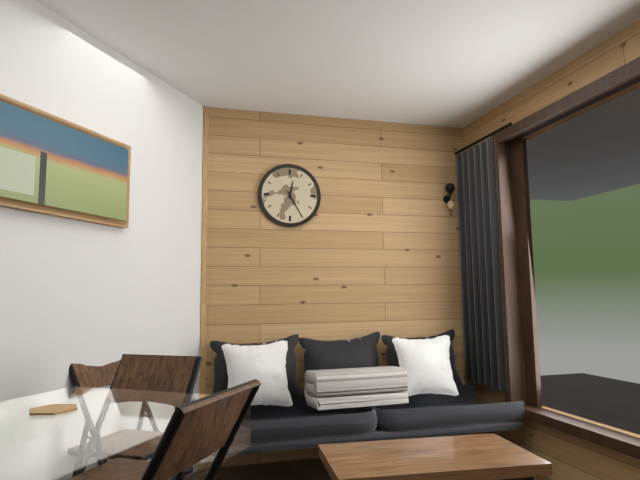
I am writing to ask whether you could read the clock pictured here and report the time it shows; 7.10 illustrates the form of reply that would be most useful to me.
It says 12.25
